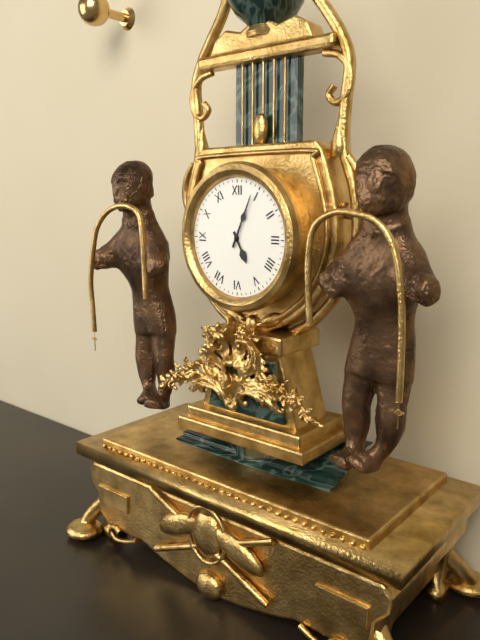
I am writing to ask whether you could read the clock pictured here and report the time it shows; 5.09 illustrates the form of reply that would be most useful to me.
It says 5.04
